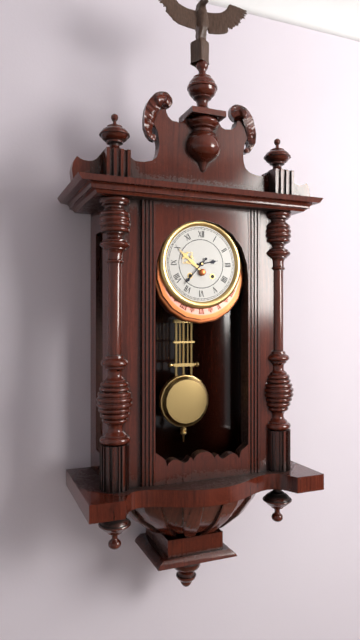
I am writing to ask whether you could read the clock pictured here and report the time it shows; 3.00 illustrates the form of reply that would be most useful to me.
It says 2.37
